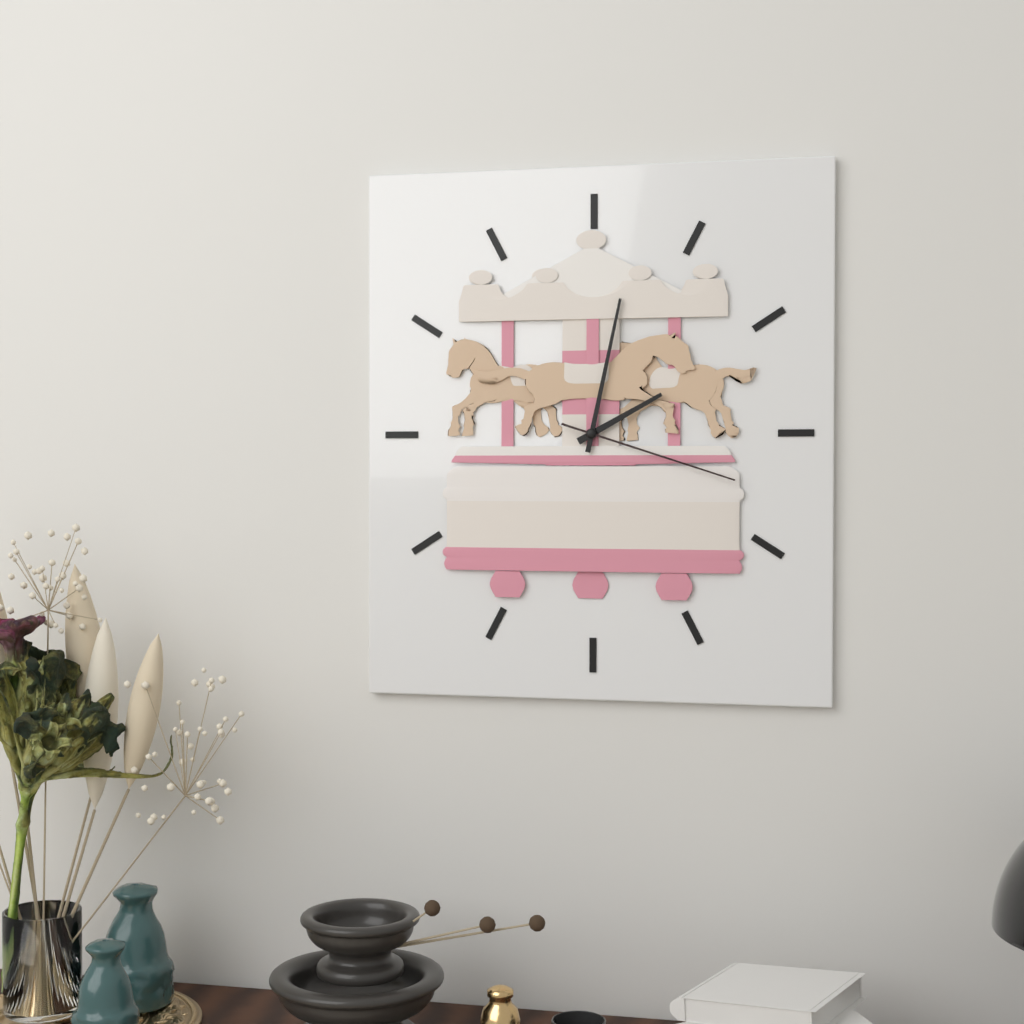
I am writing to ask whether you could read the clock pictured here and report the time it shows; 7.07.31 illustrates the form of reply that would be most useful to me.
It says 2.02.18
